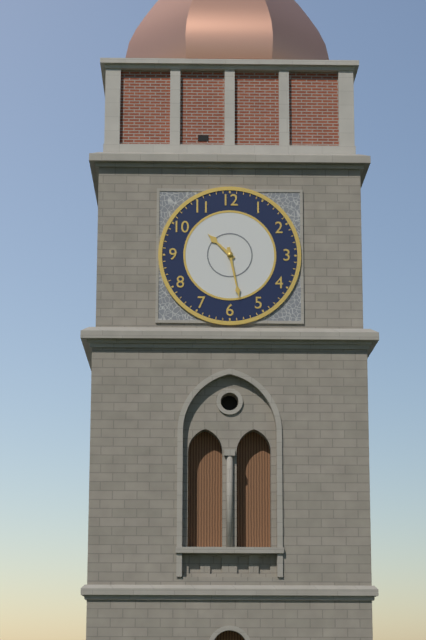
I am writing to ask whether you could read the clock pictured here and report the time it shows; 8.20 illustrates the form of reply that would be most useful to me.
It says 10.28
